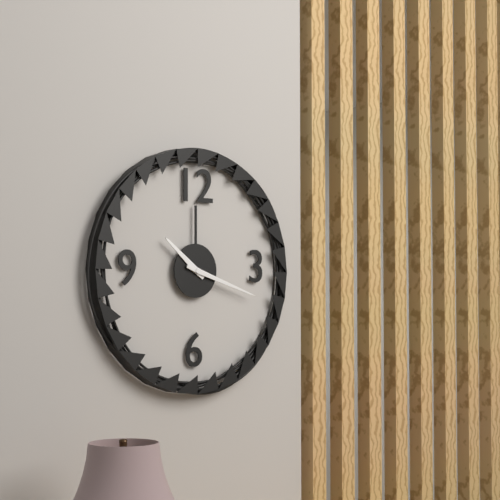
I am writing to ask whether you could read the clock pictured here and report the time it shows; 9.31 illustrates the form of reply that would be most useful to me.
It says 10.18
